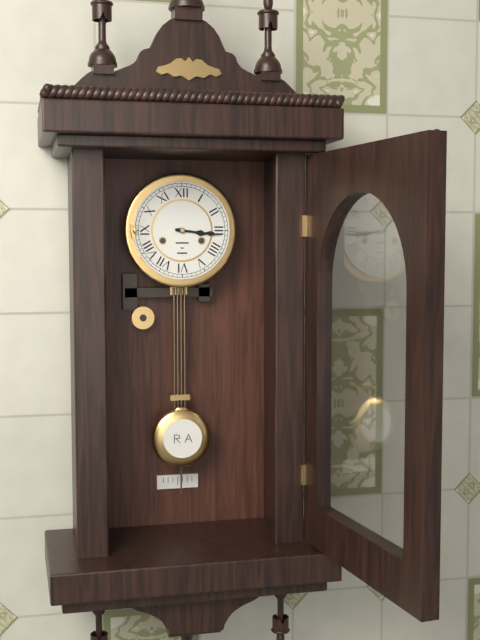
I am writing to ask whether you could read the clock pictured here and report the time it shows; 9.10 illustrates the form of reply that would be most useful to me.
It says 3.16
